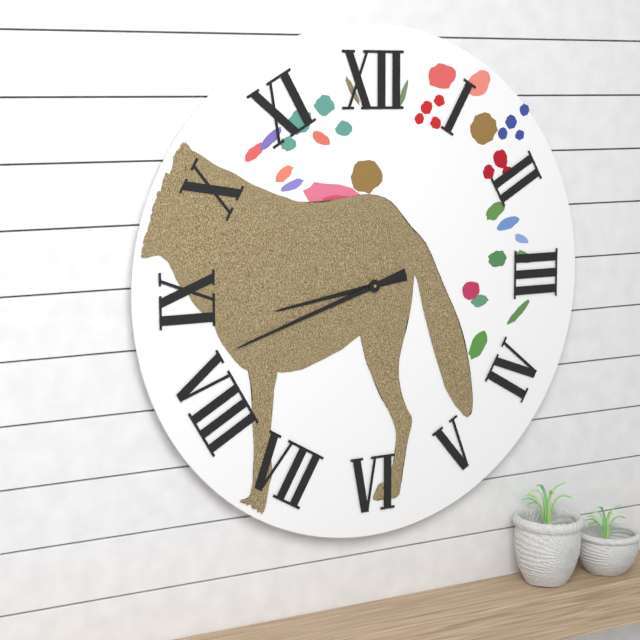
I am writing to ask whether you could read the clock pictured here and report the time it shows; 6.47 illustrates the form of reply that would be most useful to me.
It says 8.42
